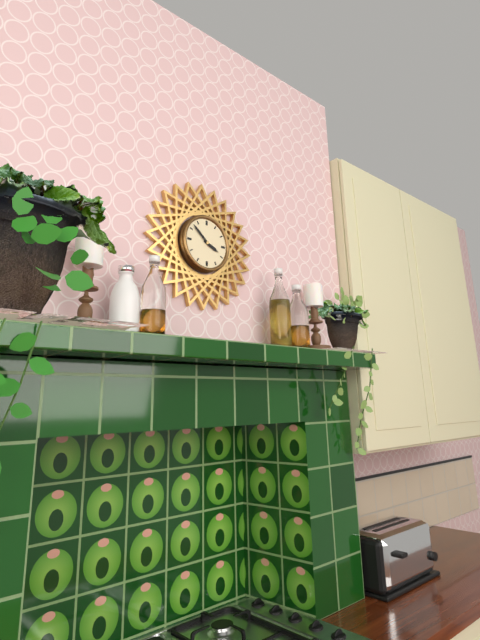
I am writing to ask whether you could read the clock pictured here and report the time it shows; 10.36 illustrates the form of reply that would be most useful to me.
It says 3.52
